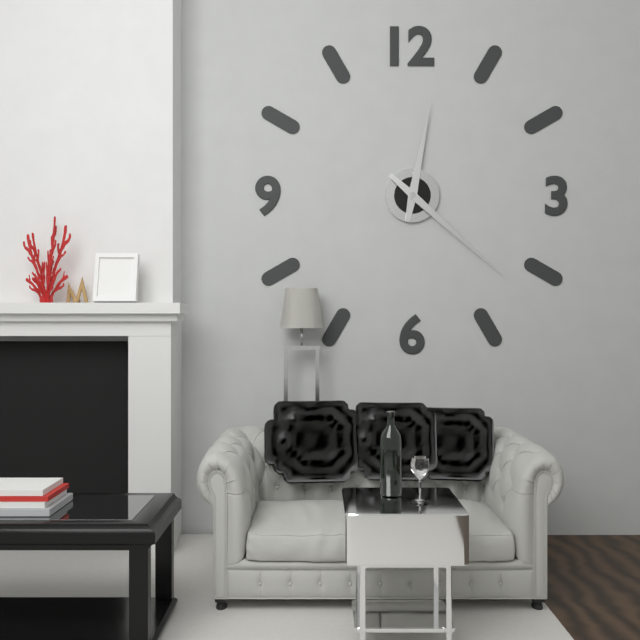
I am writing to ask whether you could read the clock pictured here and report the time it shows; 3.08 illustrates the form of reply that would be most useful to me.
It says 12.22
